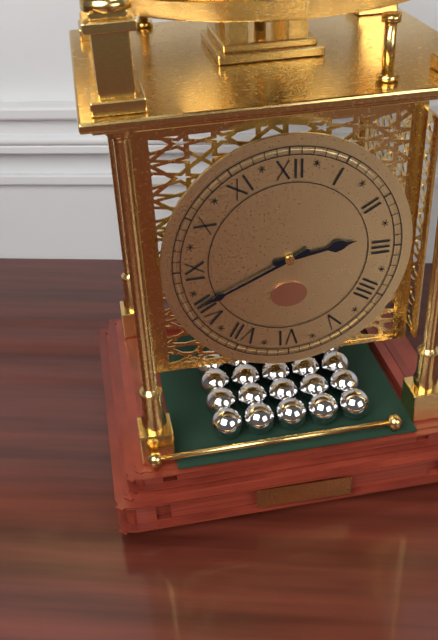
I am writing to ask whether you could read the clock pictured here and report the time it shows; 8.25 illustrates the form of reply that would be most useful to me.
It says 2.41
